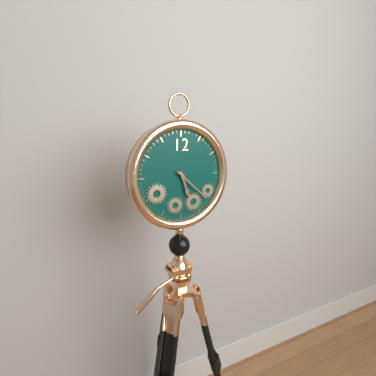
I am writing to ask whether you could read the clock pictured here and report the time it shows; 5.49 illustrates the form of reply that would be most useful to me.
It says 5.22
